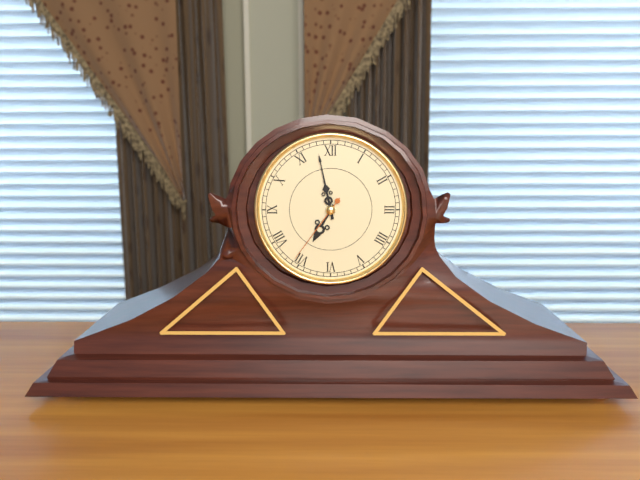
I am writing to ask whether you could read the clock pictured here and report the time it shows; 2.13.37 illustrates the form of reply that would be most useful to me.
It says 6.58.36
